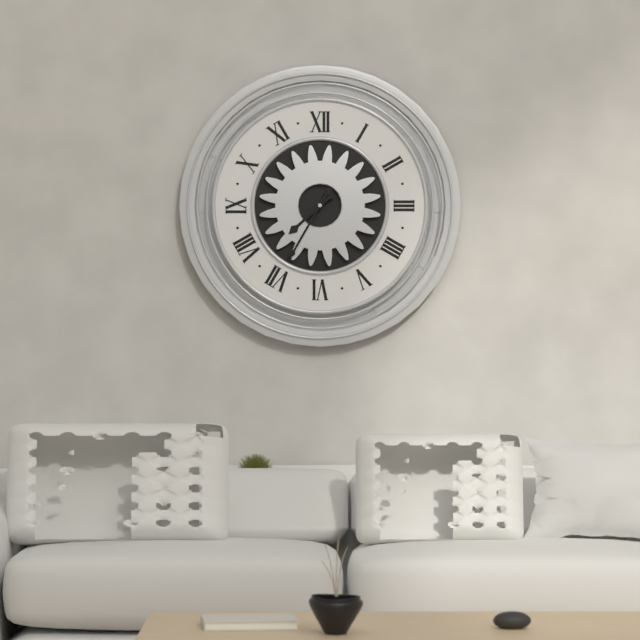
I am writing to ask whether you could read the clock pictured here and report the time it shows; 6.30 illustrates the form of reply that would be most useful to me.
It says 7.35
